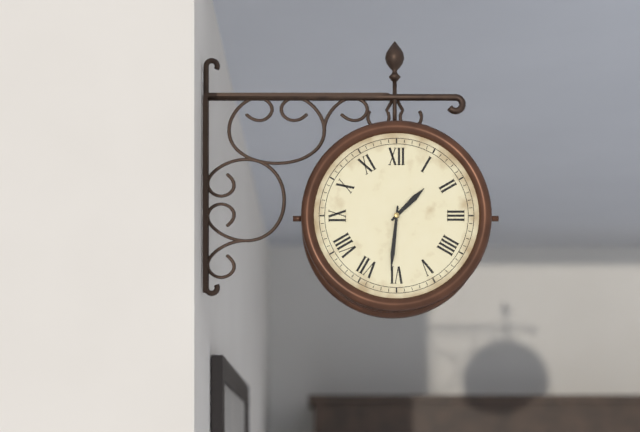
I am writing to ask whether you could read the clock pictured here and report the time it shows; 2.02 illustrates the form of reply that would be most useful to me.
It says 1.31
